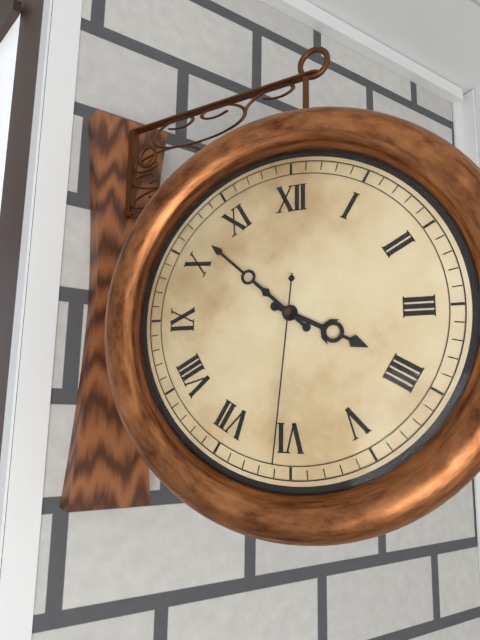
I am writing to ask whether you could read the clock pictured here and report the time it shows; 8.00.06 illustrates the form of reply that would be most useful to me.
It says 3.52.31
